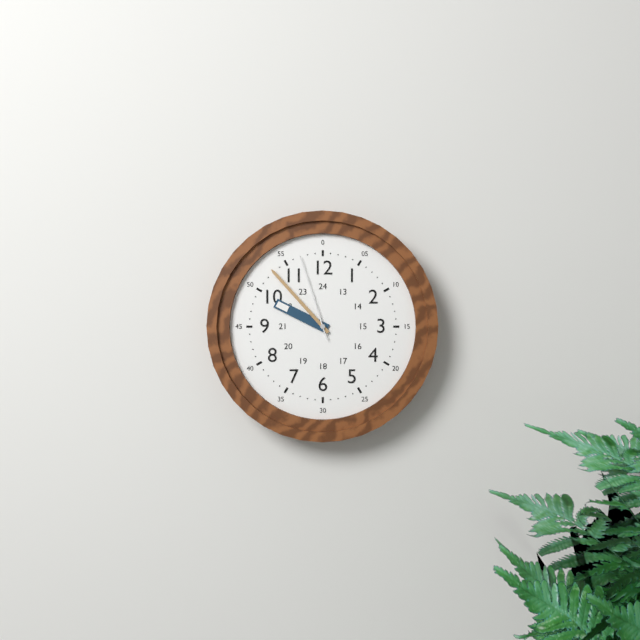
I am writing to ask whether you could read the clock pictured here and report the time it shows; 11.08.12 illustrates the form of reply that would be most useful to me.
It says 9.53.57
